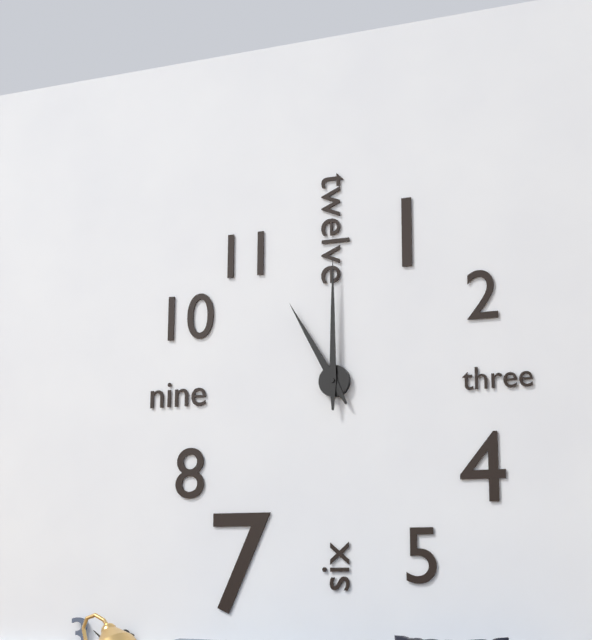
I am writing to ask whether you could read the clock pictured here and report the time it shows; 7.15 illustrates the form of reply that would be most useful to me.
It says 11.00
